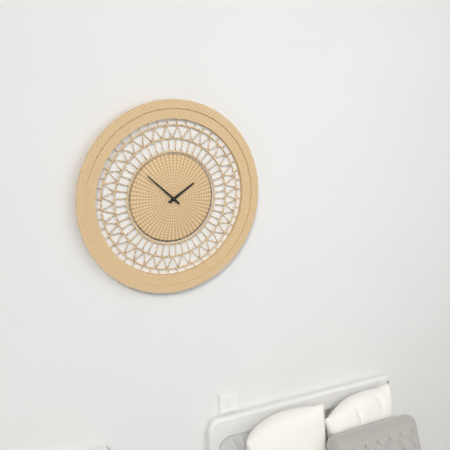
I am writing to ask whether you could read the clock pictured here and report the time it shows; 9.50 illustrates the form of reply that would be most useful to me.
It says 1.52
